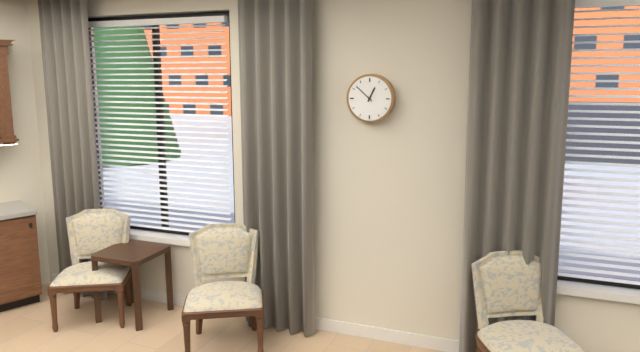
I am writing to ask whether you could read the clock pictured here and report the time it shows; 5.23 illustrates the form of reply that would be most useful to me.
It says 12.52
